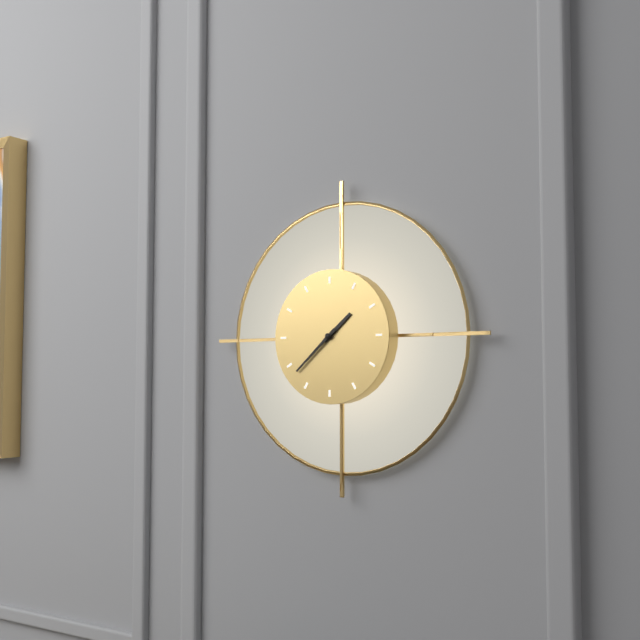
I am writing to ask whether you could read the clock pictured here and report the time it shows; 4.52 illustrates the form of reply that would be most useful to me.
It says 1.38
